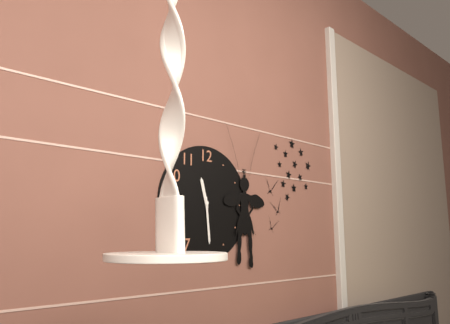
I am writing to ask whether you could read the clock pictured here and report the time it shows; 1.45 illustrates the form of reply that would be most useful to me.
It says 11.29
